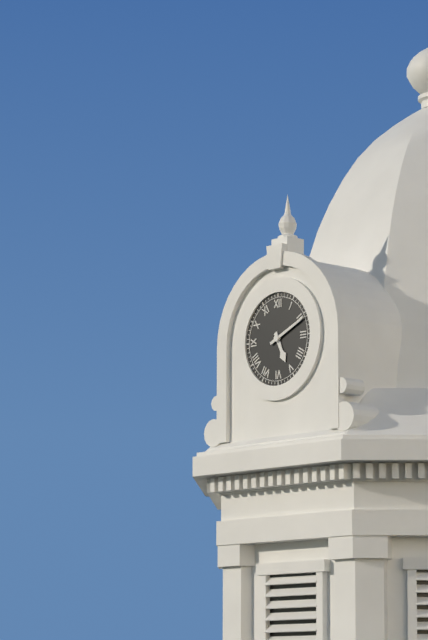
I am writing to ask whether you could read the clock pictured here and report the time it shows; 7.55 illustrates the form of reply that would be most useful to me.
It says 5.11
